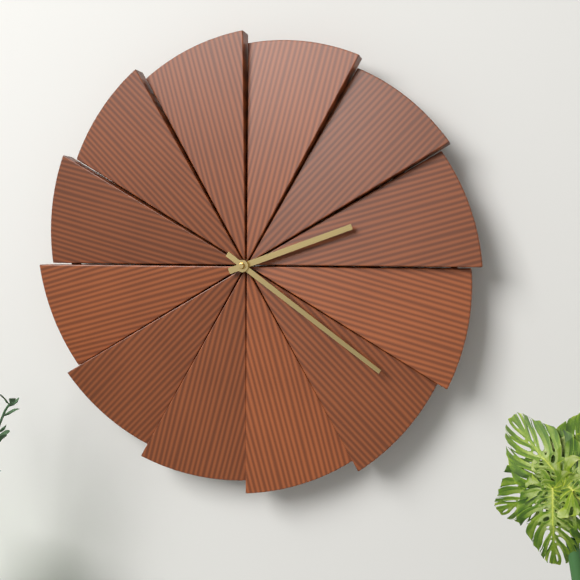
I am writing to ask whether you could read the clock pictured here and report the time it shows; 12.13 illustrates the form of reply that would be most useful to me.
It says 2.21
